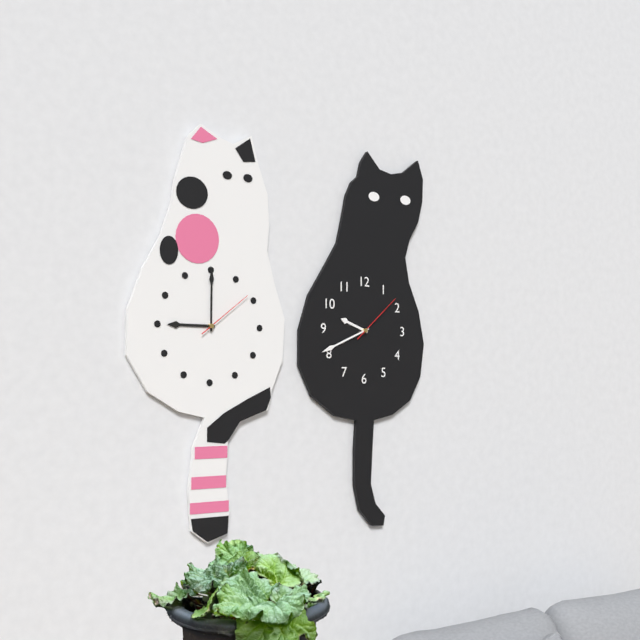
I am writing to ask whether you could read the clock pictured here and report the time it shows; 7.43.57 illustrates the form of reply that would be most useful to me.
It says 9.41.08
